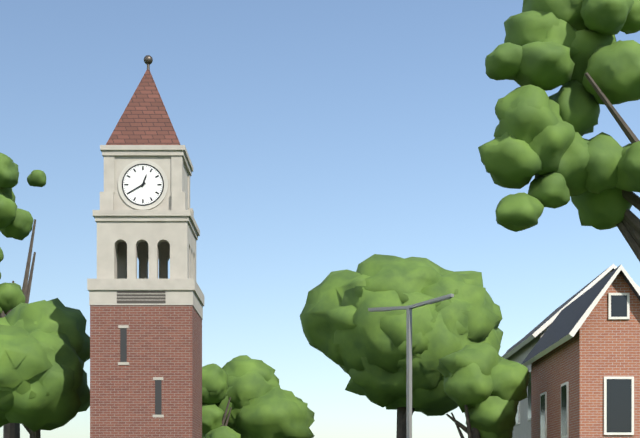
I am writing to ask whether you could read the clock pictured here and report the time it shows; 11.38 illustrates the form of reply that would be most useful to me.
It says 12.40
